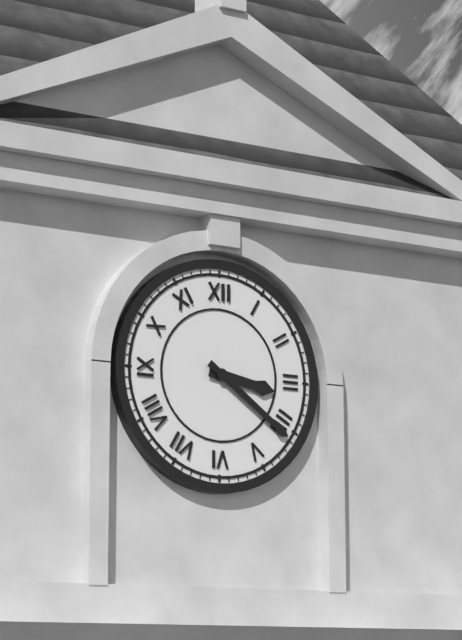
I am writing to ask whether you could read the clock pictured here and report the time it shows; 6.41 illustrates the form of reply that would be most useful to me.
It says 3.21
